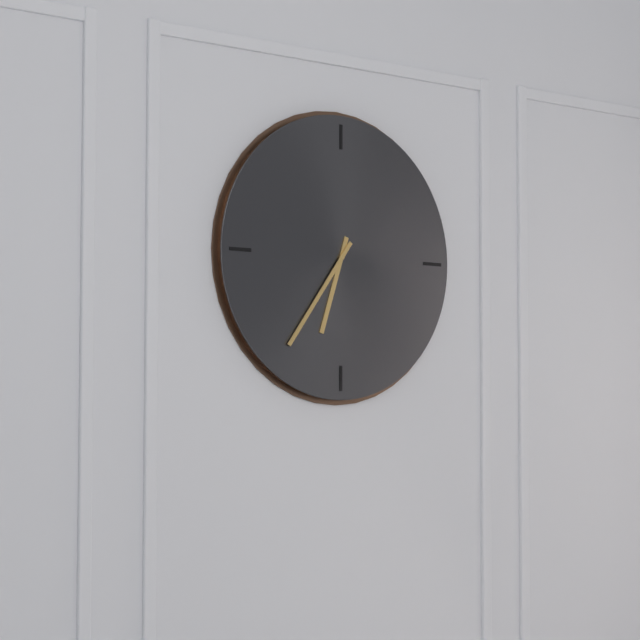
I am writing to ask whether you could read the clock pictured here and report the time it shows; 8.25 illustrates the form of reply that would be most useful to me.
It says 6.36
